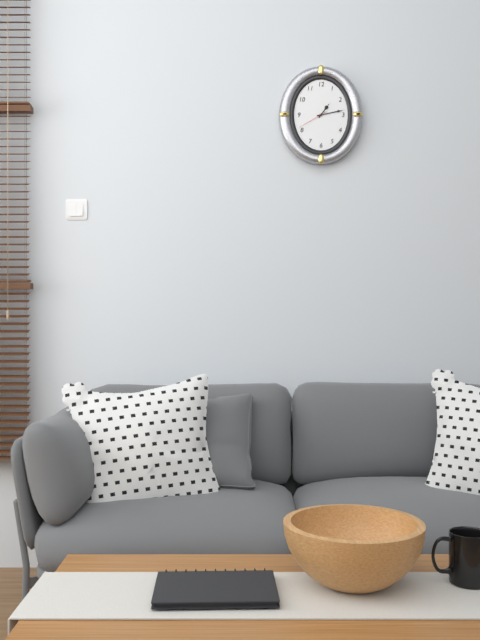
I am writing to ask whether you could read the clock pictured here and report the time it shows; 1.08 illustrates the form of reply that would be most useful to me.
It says 1.13
